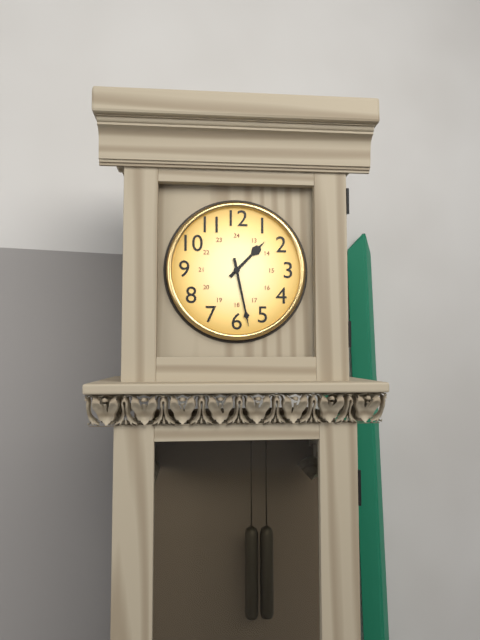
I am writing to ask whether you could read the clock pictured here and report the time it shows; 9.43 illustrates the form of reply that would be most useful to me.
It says 1.28
